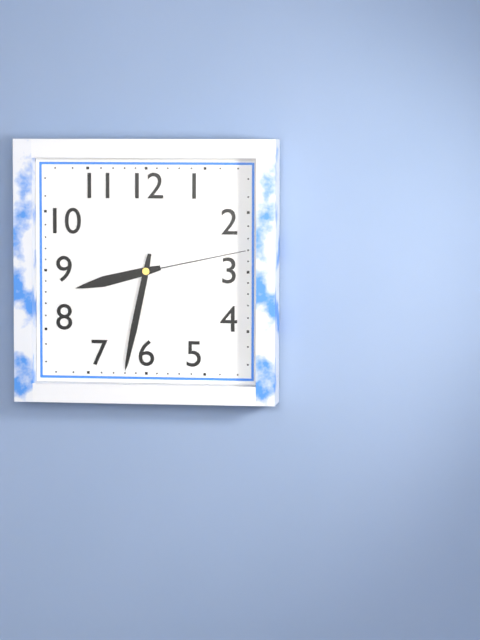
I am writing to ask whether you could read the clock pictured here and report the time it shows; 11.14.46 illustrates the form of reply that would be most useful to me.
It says 8.32.13
